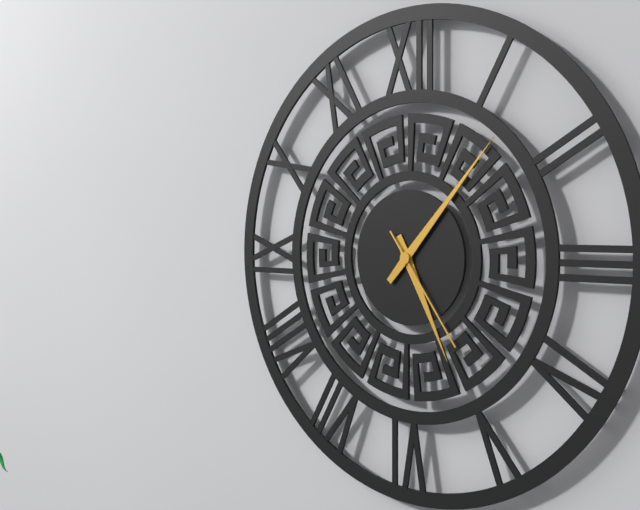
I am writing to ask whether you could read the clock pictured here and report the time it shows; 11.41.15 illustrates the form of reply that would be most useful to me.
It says 5.07.24
